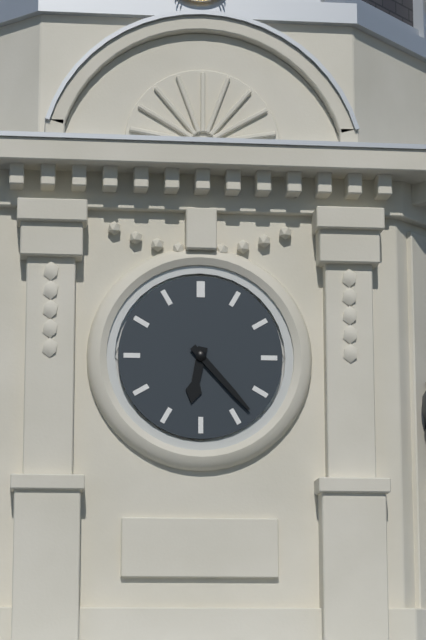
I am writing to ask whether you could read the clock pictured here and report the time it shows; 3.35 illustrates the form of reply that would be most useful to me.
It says 6.23
